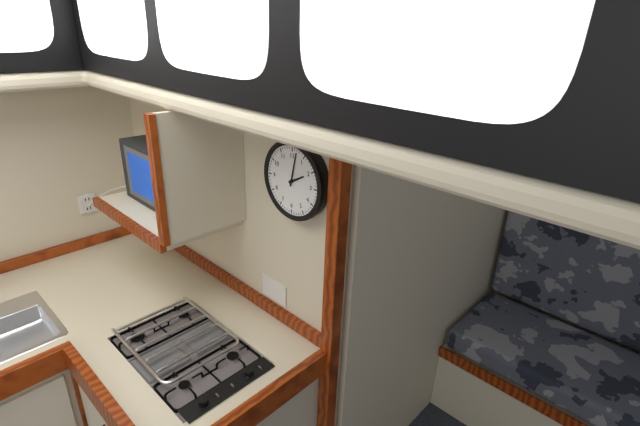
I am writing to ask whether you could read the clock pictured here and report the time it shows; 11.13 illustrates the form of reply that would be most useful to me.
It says 2.02
